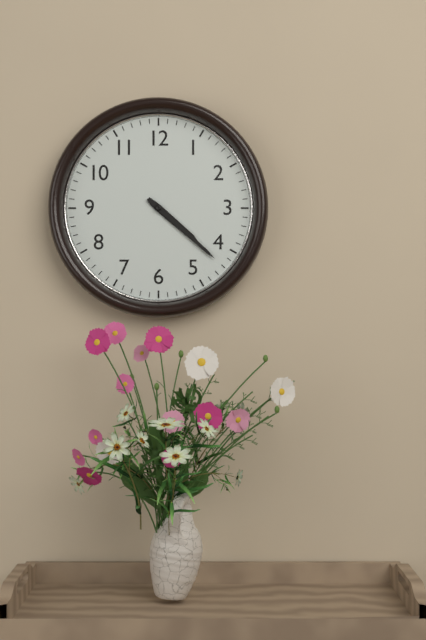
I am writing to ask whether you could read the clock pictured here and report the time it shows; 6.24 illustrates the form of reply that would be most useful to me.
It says 4.22
